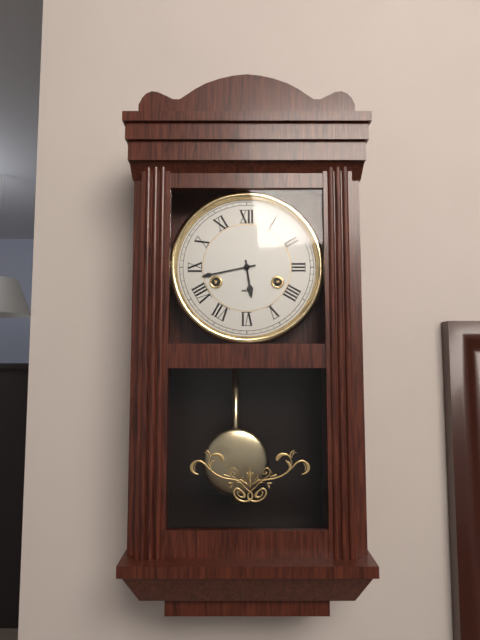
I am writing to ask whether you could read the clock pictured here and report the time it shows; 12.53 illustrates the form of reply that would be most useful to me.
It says 5.43
